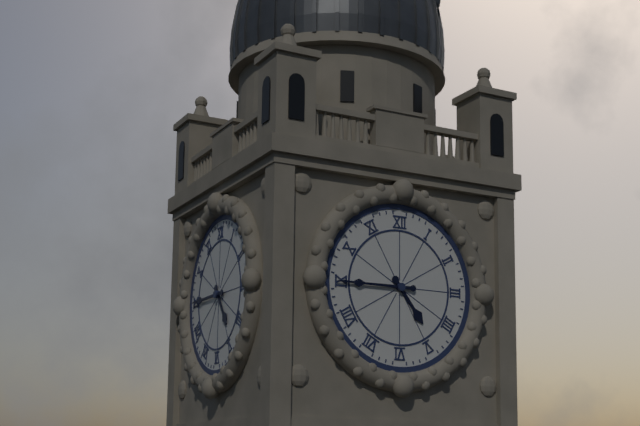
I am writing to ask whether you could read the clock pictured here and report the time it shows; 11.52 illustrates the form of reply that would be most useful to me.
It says 4.45
